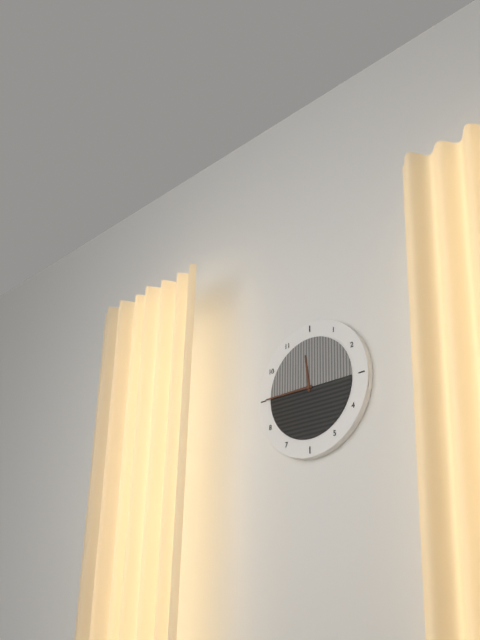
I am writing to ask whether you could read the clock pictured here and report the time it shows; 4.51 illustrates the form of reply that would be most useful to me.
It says 11.45
